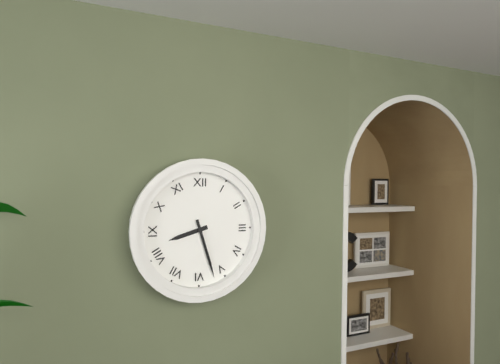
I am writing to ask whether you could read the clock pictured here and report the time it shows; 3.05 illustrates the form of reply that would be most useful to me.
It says 8.27
